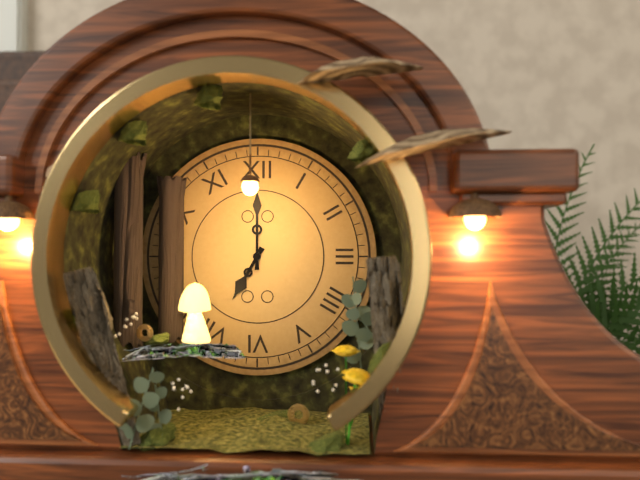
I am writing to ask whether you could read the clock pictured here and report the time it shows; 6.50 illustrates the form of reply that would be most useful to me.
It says 7.00
